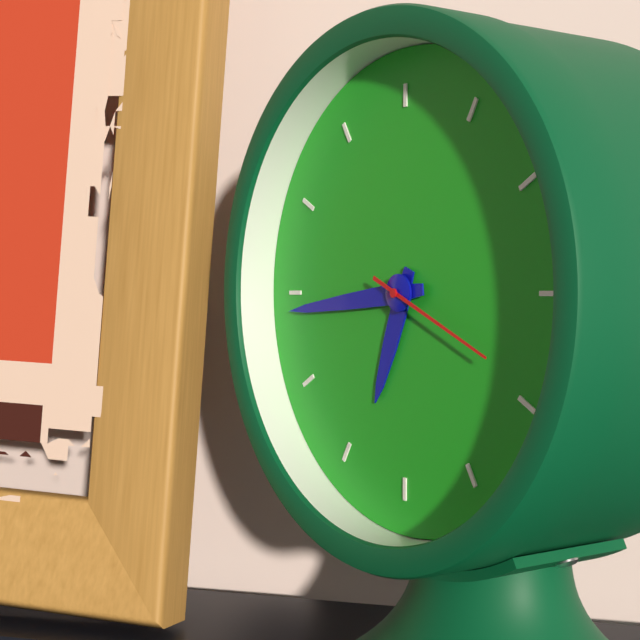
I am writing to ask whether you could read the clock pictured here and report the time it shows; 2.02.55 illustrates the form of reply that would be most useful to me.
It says 6.44.19
